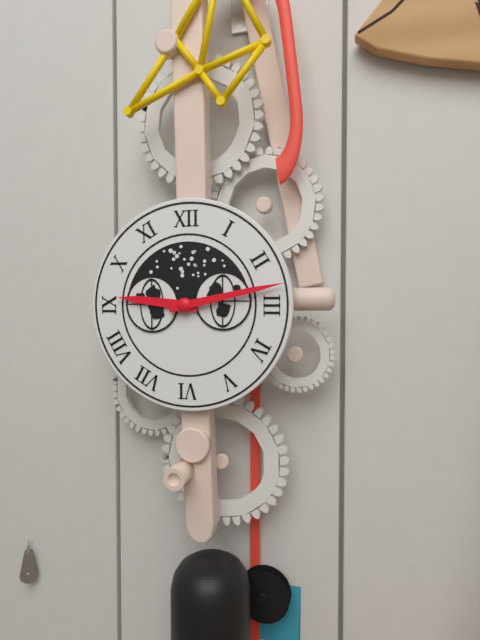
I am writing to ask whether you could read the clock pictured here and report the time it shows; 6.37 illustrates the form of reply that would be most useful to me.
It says 9.13
